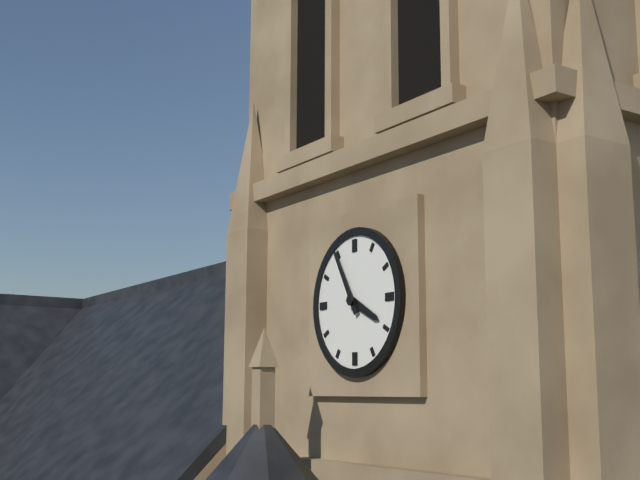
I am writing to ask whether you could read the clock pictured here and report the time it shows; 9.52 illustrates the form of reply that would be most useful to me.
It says 3.55
